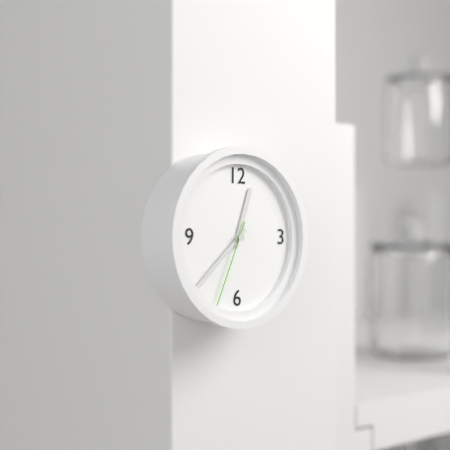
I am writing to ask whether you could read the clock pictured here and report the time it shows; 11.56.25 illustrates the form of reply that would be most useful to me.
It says 12.38.34
